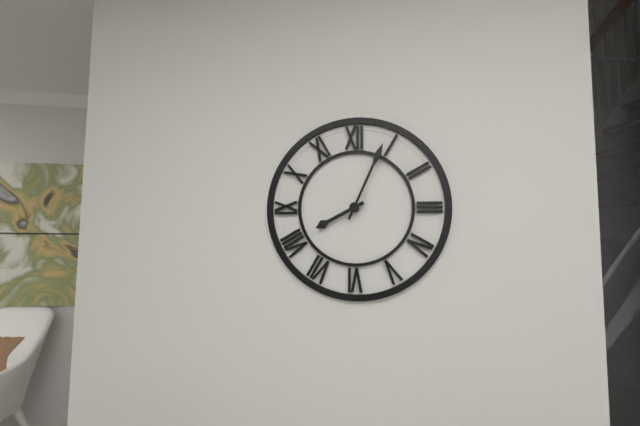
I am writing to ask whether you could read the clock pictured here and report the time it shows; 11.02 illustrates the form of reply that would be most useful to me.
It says 8.04
